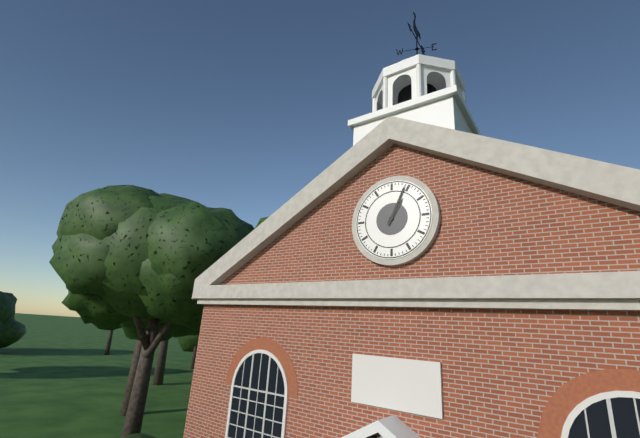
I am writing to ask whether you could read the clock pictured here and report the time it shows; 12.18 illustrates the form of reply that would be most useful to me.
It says 1.04
